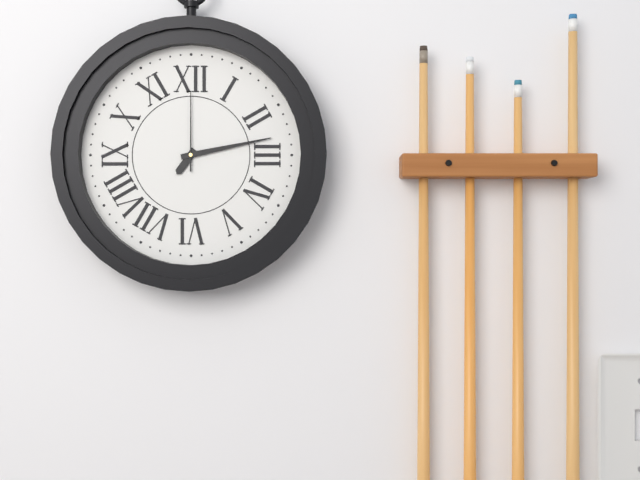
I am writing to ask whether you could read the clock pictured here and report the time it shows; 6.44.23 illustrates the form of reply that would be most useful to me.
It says 7.13.00
